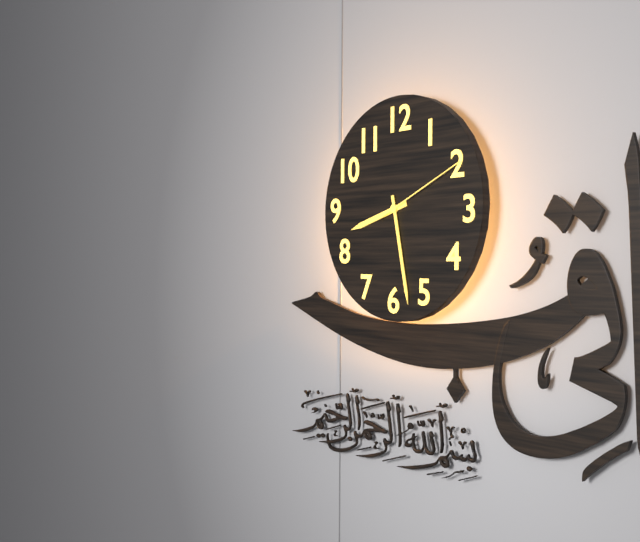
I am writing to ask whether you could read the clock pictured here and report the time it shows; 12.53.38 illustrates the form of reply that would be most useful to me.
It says 8.28.11
